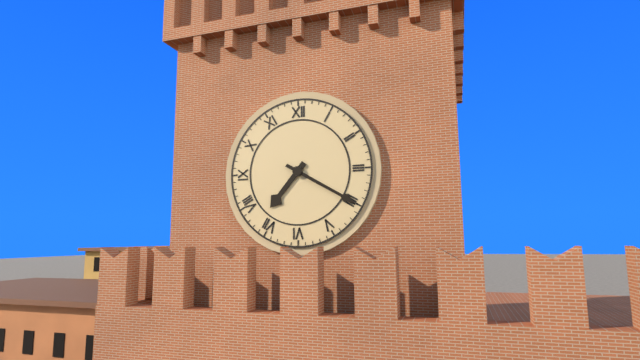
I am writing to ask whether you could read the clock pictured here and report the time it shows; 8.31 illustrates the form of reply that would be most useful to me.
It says 7.20
